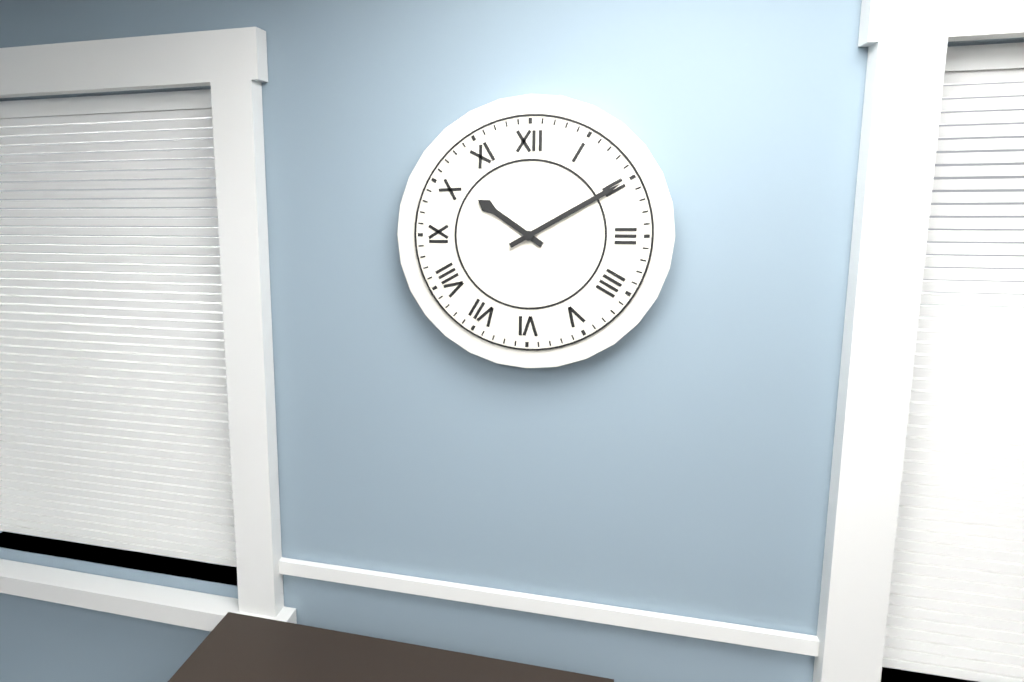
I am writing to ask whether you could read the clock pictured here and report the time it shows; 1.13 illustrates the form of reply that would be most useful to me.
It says 10.10
